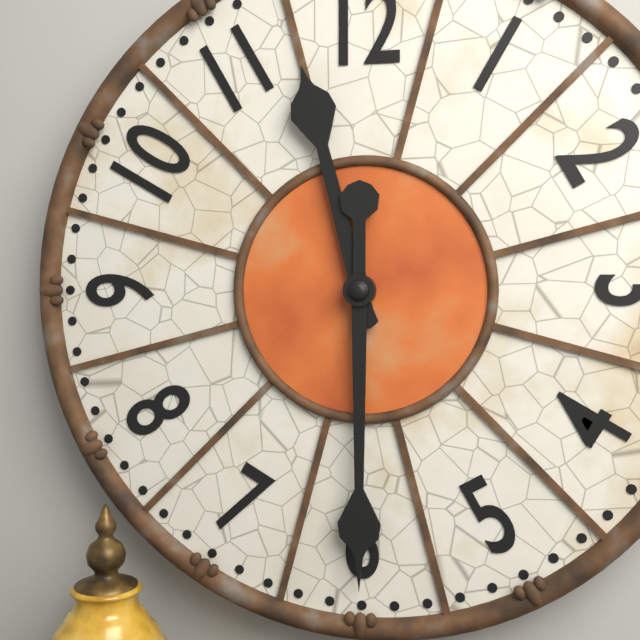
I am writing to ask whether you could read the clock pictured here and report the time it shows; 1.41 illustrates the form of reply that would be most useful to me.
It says 11.30
